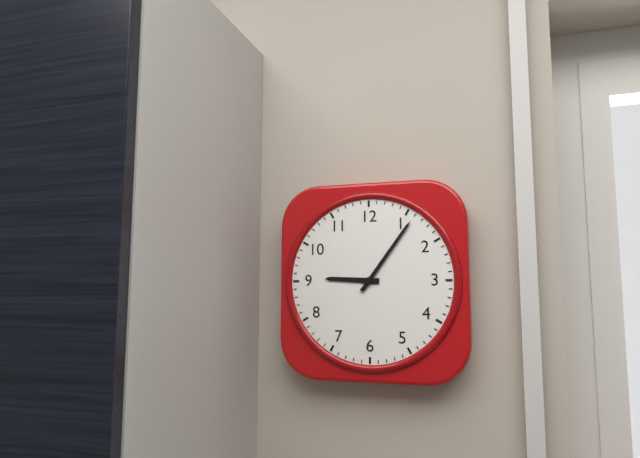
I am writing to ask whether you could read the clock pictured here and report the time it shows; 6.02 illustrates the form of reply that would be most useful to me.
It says 9.06
